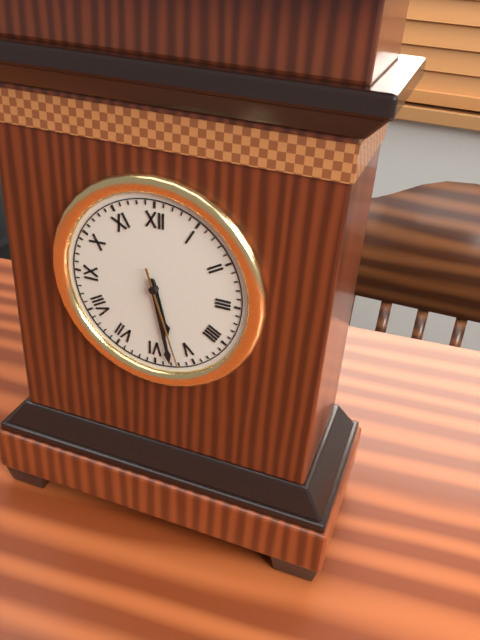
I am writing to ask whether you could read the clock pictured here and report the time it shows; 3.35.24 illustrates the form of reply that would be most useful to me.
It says 5.28.27
